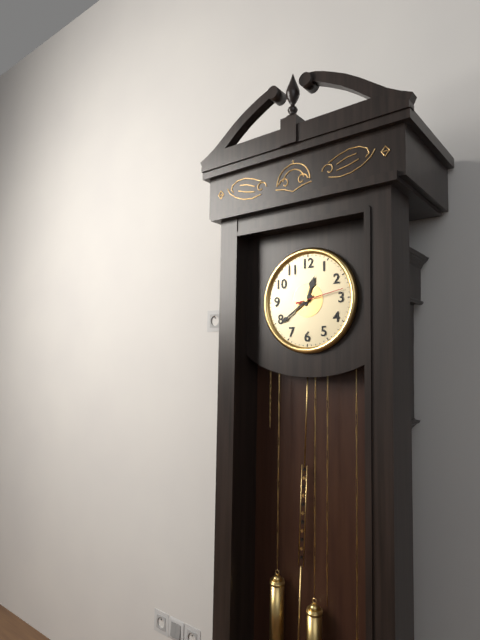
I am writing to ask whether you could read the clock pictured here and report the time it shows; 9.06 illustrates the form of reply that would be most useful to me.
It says 12.39
